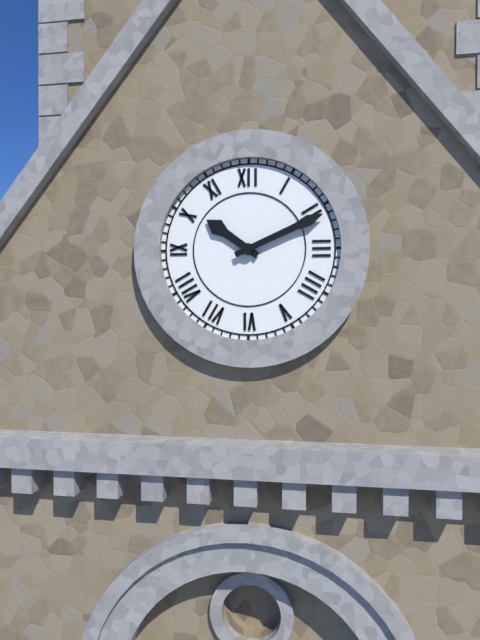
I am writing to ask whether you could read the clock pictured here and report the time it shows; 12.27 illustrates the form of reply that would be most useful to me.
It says 10.11
